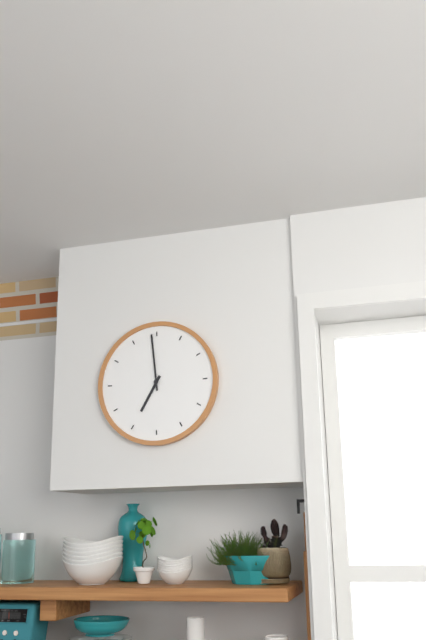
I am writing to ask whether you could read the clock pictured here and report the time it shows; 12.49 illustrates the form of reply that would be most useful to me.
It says 6.59
